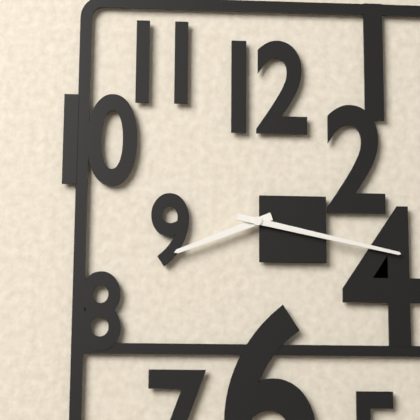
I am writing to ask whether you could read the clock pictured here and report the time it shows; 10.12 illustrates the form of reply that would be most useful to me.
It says 8.17
